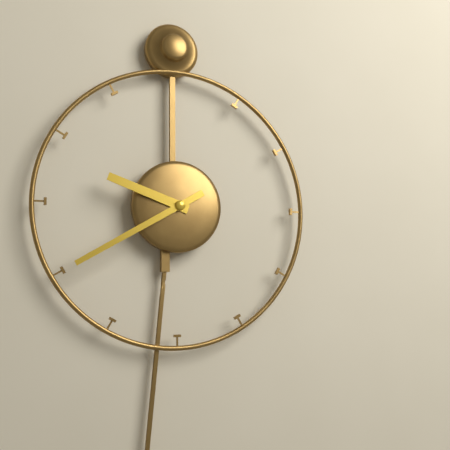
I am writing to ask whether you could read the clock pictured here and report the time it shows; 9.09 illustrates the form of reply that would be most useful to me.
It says 9.40
